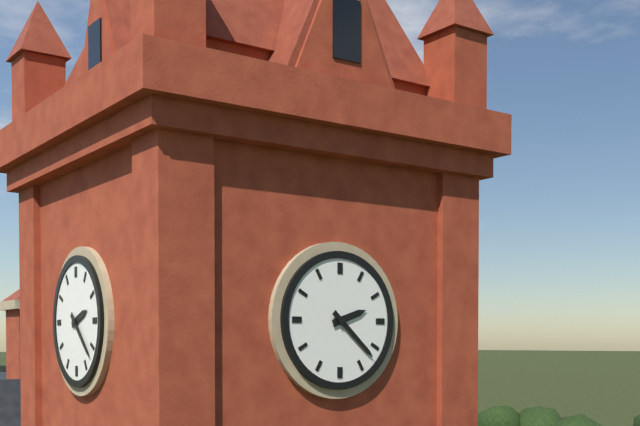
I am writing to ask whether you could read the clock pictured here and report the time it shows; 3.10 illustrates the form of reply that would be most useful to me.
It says 2.22
